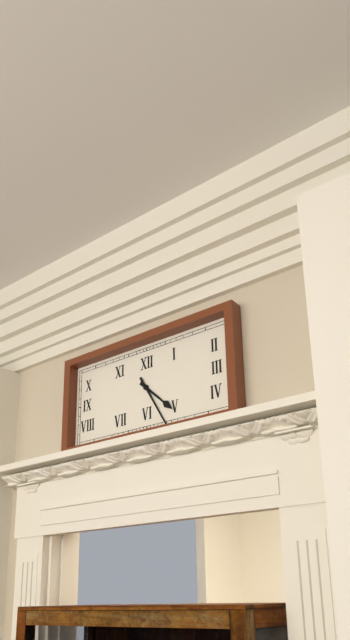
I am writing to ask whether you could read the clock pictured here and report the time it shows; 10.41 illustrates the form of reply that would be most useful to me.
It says 4.25
